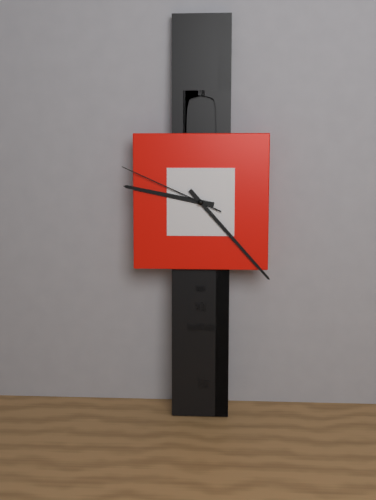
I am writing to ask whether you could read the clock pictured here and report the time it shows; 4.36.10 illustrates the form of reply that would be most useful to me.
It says 9.23.49
